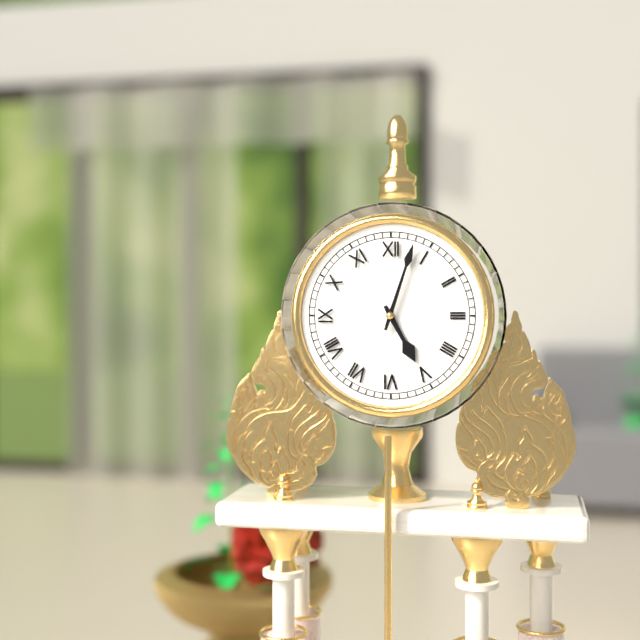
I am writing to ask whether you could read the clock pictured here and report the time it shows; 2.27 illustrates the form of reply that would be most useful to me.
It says 5.03
